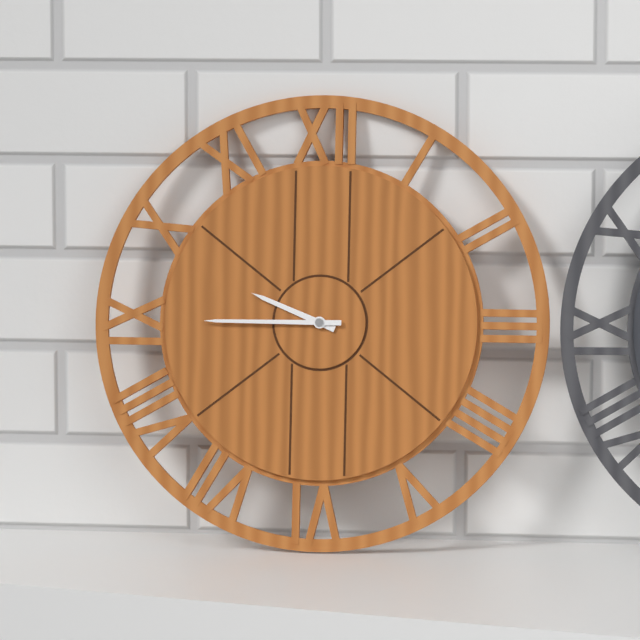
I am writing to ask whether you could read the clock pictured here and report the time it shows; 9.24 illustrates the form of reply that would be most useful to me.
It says 9.45
